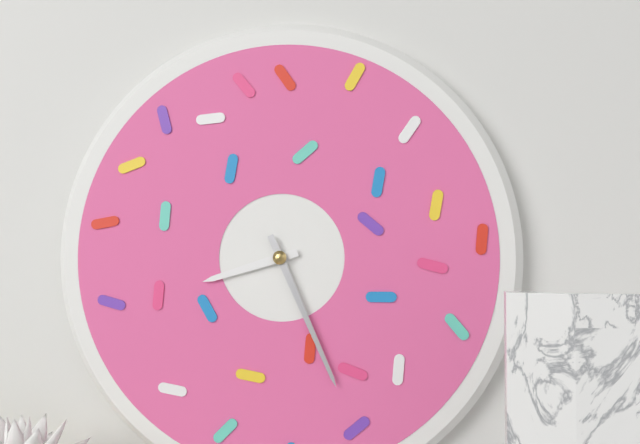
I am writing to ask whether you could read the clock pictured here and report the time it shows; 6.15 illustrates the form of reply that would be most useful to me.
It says 8.26
